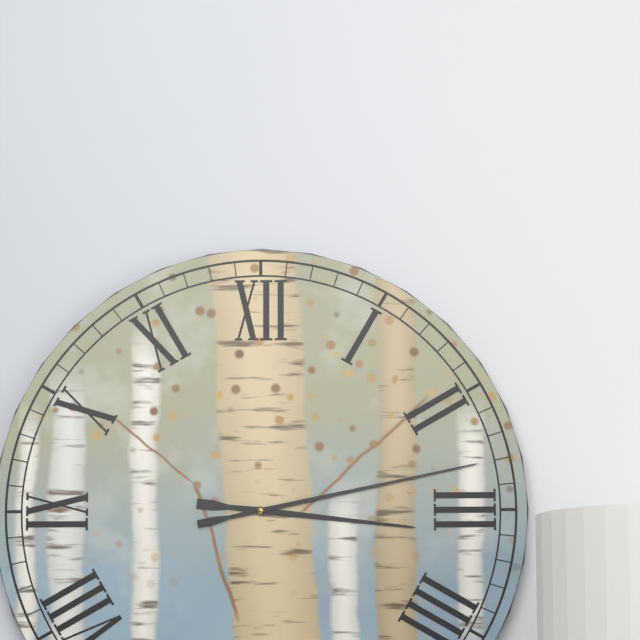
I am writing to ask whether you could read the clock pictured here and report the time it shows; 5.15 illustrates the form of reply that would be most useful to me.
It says 3.13
